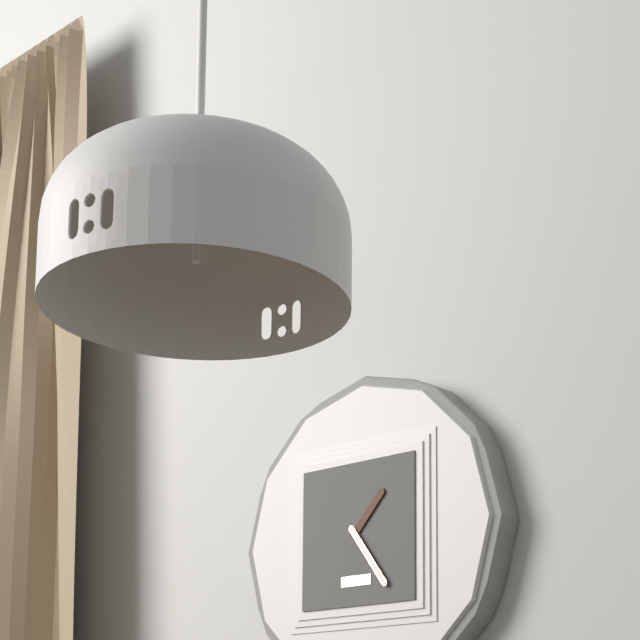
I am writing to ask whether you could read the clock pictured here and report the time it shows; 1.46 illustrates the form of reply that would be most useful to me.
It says 1.24
